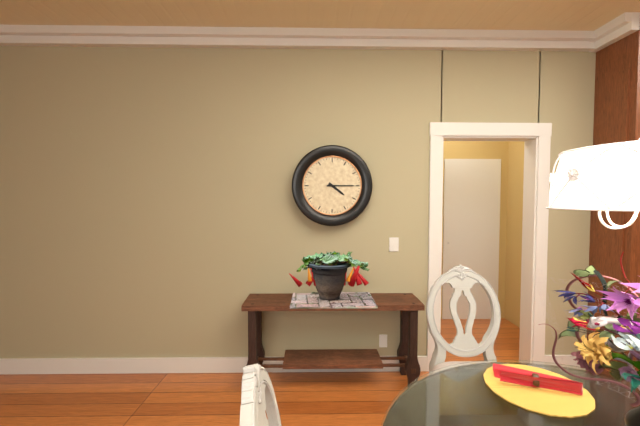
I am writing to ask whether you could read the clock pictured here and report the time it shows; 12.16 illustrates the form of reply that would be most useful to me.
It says 4.15
